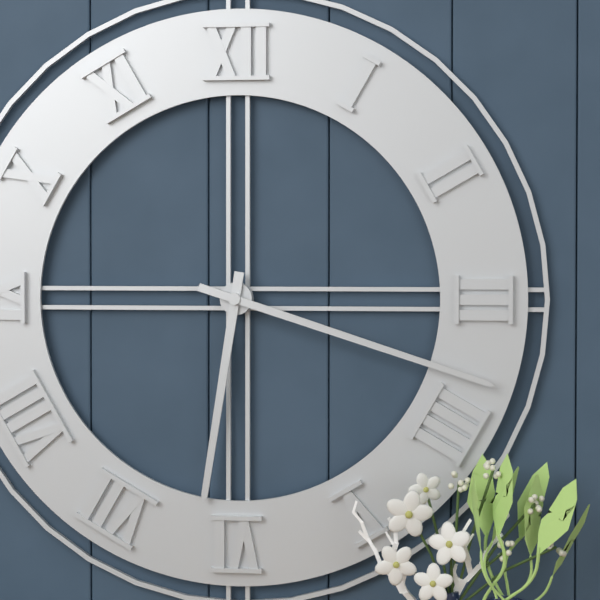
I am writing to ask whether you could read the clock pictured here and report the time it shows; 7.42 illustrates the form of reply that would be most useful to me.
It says 6.18
